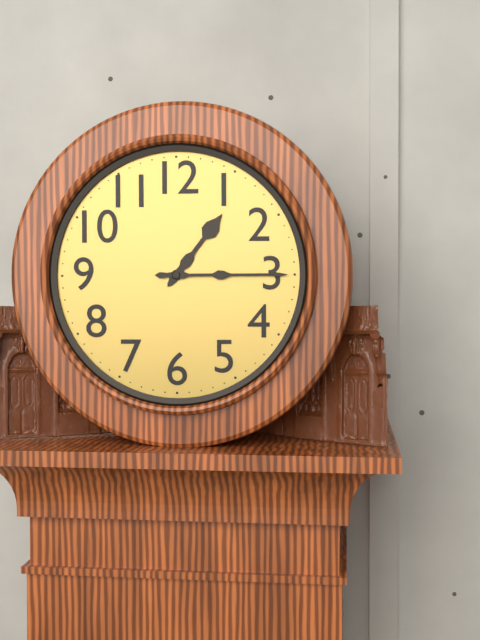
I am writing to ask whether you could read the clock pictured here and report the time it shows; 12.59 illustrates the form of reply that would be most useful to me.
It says 1.15
